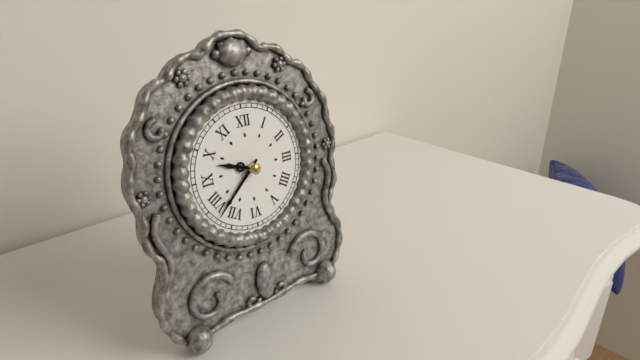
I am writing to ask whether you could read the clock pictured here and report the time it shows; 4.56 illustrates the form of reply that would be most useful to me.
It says 9.38
